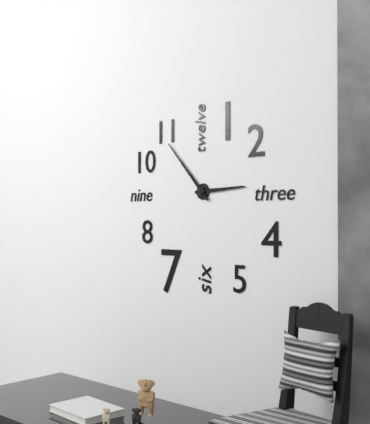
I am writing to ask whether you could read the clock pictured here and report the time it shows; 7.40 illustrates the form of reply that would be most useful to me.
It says 2.53
